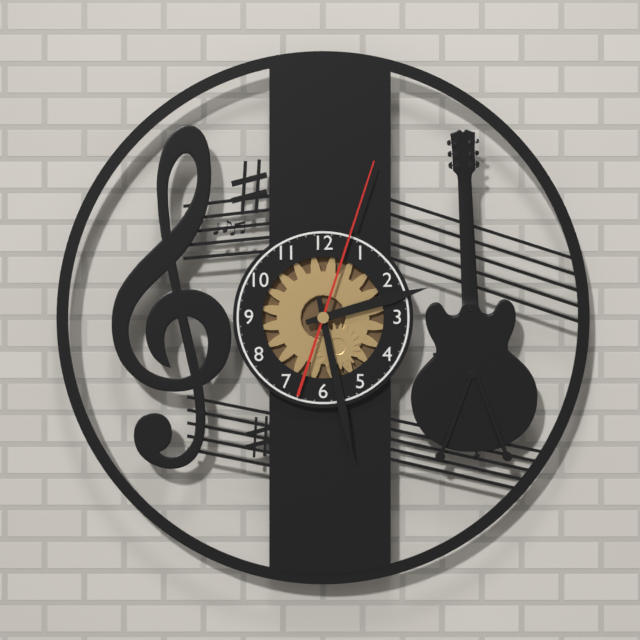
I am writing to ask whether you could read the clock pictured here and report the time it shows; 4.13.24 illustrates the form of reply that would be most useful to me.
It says 2.28.03
